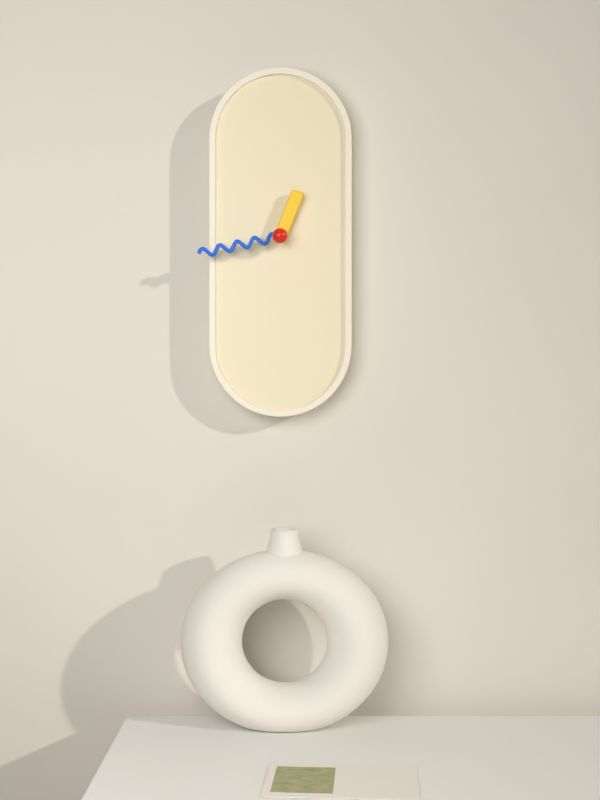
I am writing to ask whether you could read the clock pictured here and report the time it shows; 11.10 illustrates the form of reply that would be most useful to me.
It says 12.43
